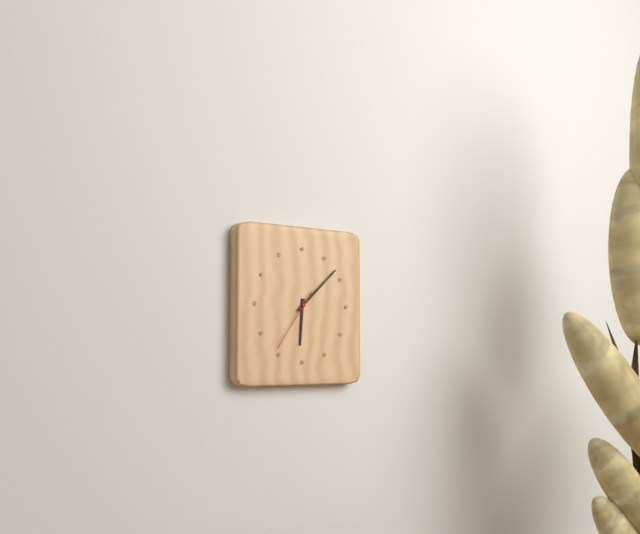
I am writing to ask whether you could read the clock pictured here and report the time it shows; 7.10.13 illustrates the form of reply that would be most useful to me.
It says 6.08.36
